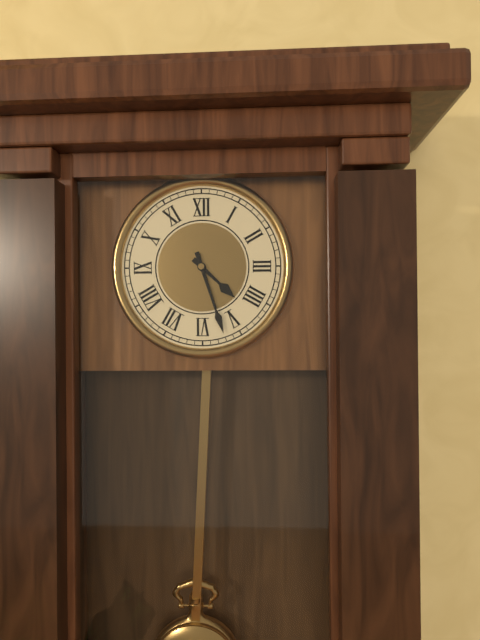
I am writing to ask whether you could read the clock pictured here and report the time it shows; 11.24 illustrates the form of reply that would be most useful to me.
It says 4.27
